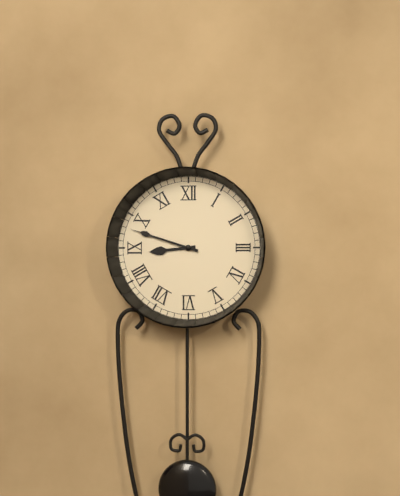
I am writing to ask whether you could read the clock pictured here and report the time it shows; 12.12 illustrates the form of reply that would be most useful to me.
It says 8.48
